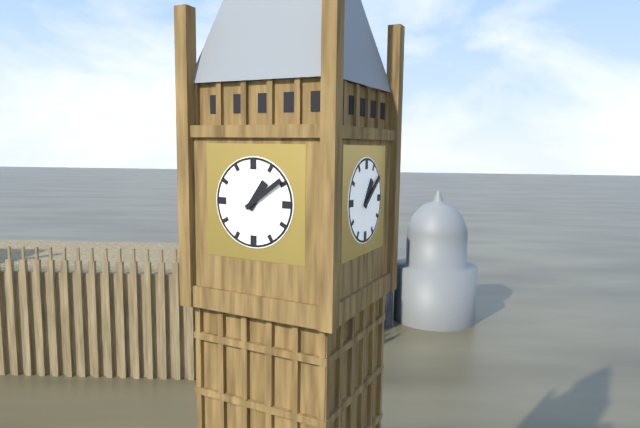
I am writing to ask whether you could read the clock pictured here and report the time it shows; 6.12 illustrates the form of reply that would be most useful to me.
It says 1.09
